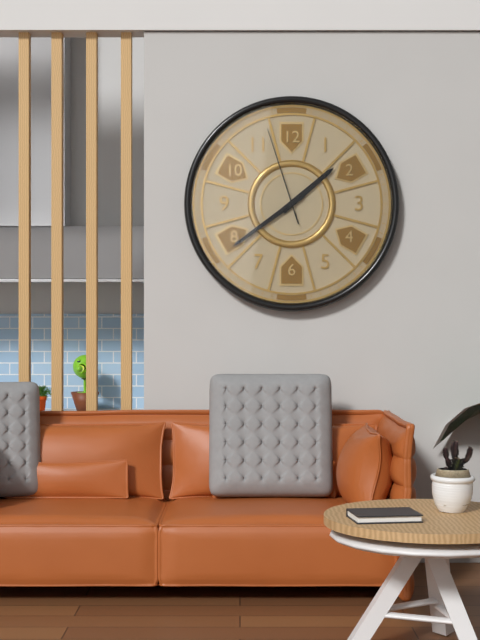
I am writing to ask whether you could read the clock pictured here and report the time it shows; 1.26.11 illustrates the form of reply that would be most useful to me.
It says 1.39.57
